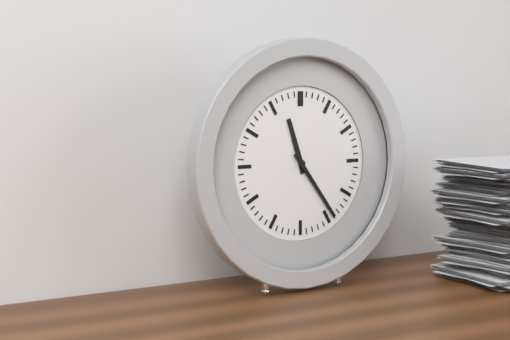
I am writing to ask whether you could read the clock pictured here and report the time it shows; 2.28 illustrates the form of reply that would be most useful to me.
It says 11.24
